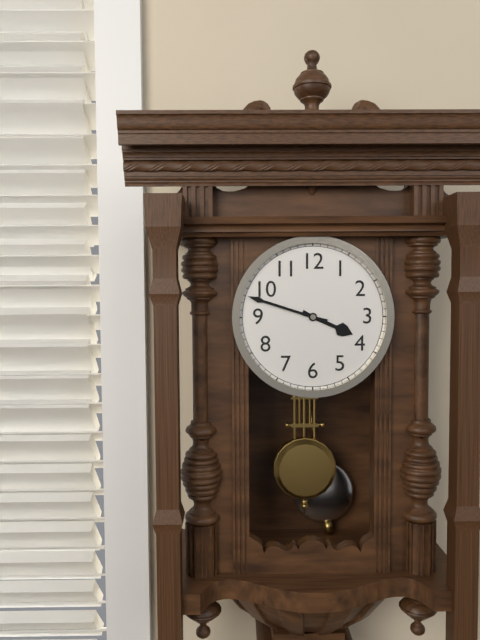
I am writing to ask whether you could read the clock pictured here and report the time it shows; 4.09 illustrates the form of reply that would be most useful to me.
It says 3.48
